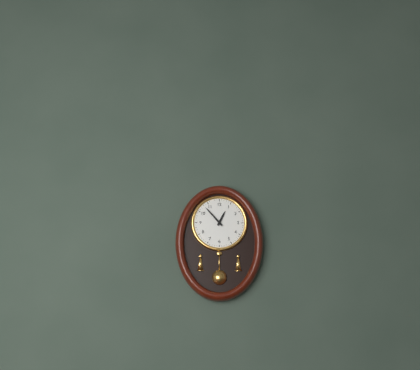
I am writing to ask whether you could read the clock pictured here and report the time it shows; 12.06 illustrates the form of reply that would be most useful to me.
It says 12.53
